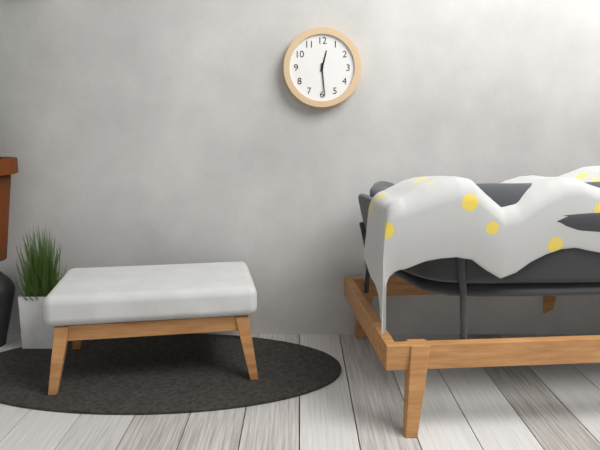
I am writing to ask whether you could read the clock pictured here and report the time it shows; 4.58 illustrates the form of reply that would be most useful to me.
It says 12.29
